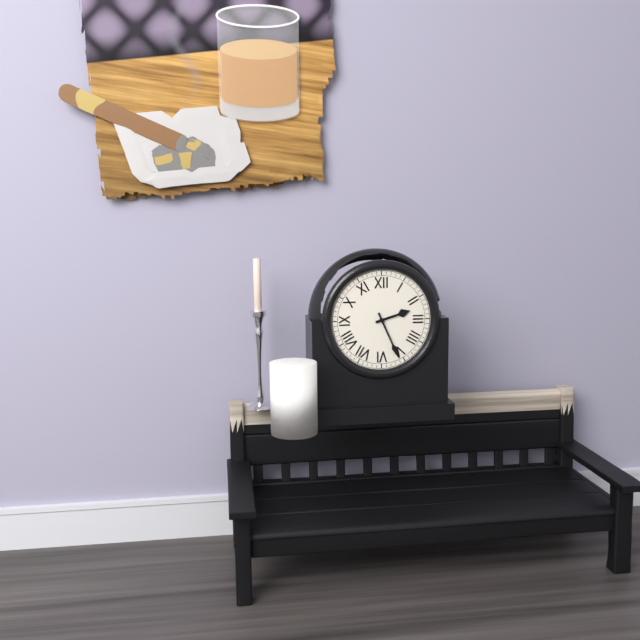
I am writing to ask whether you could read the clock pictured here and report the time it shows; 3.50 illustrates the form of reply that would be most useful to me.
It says 2.26
